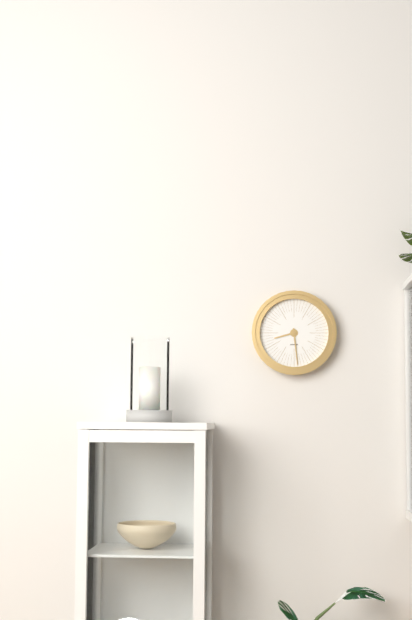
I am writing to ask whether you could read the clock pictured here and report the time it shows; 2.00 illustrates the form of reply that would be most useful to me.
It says 8.29
